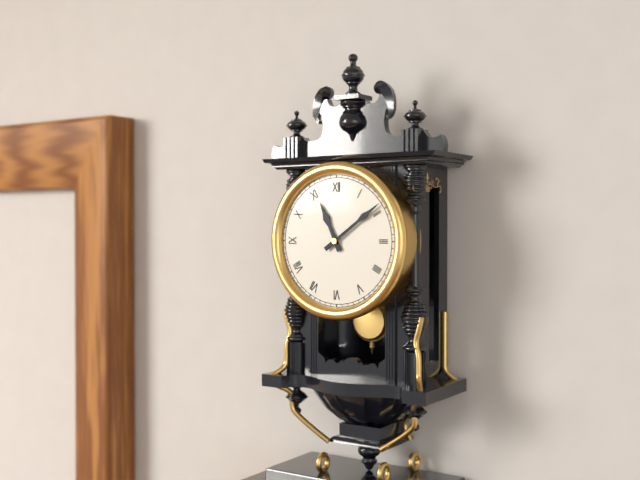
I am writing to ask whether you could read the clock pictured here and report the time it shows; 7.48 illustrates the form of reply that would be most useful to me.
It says 11.09
